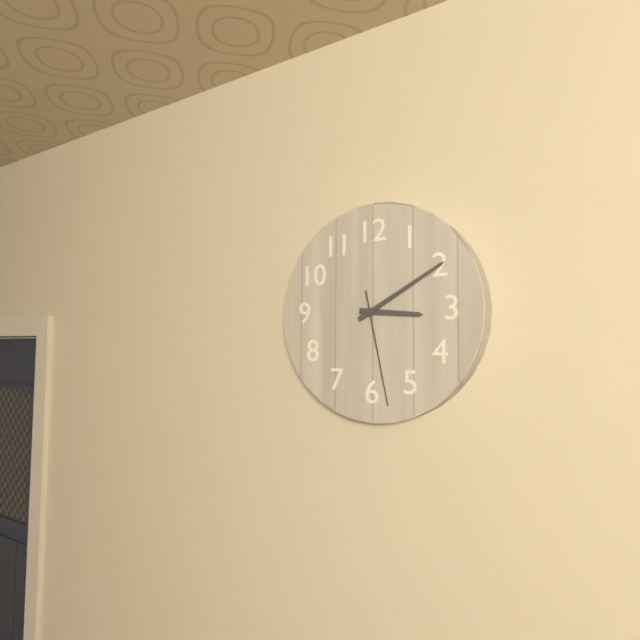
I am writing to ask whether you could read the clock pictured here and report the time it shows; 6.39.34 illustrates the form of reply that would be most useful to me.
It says 3.10.28
